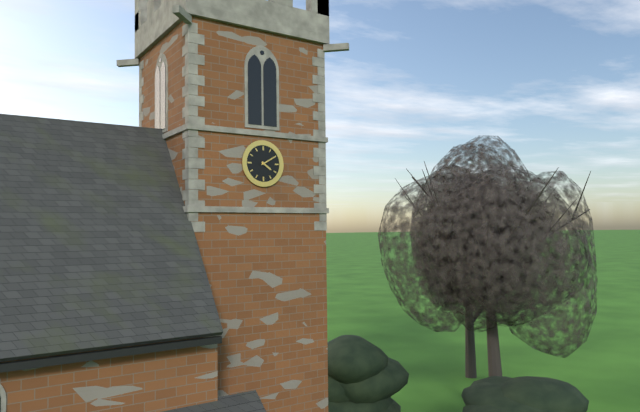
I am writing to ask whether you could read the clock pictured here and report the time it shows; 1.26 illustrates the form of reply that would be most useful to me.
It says 4.10
